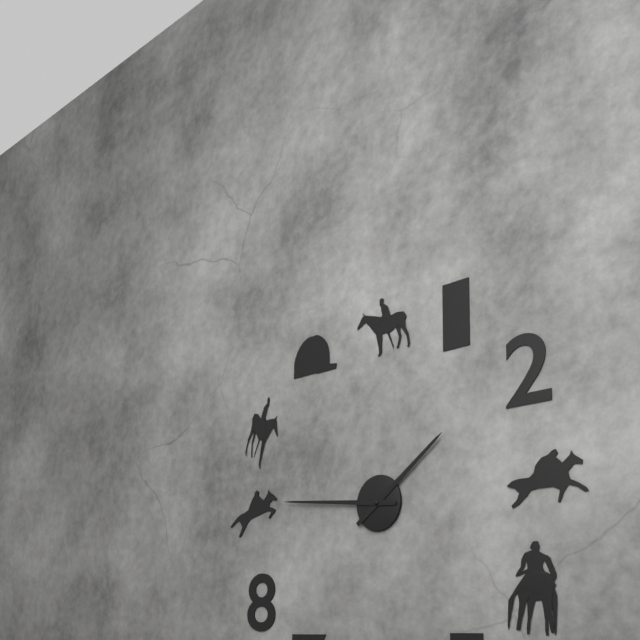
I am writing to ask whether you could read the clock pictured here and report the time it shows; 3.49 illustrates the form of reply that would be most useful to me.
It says 1.46
